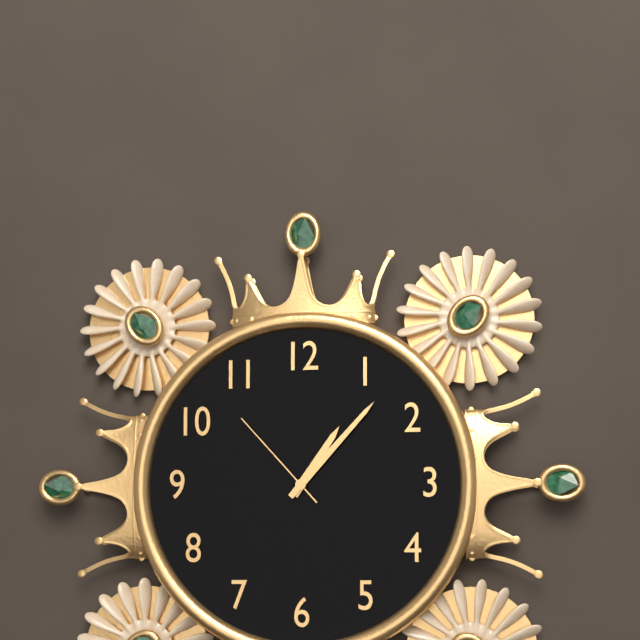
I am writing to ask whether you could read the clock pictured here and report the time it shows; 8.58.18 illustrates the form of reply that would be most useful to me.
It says 1.07.53
